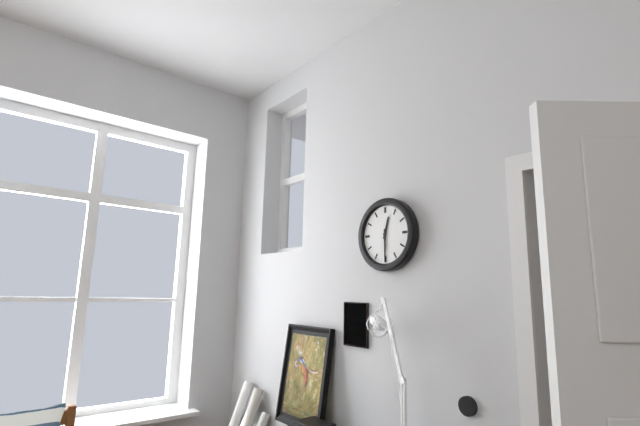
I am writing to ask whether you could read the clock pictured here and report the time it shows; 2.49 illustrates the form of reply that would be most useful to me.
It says 12.30
